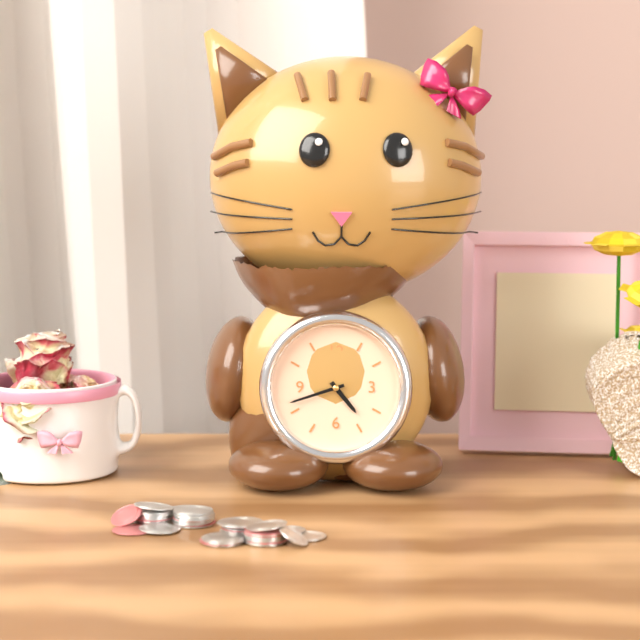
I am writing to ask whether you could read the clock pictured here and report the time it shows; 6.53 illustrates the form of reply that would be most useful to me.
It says 4.42
